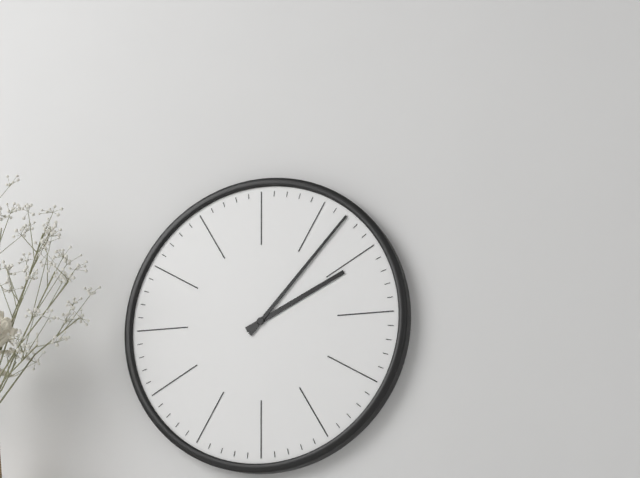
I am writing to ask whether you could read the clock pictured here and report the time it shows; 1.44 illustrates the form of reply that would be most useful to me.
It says 2.07
